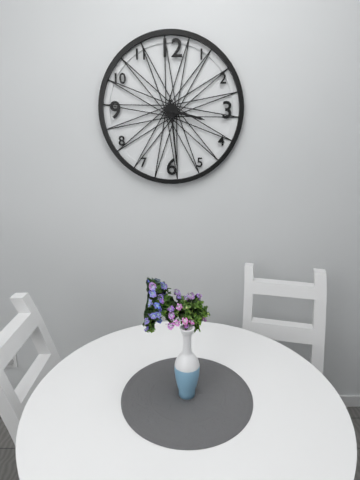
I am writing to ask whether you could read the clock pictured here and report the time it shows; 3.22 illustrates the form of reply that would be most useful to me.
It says 3.29
